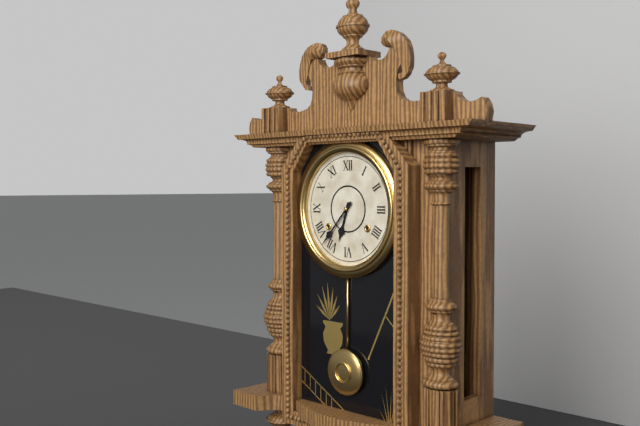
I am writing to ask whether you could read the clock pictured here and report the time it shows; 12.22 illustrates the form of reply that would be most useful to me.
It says 6.37
